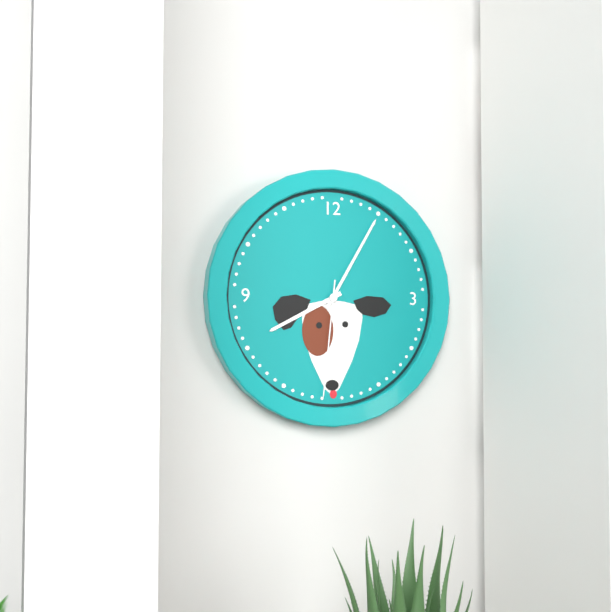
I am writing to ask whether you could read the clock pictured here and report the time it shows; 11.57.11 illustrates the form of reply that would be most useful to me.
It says 8.05.31
